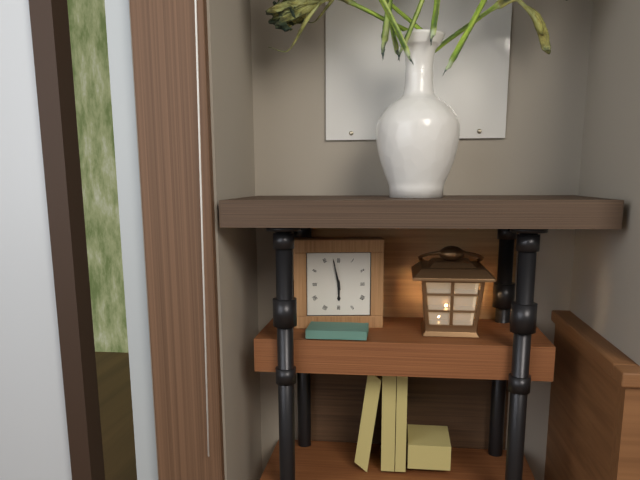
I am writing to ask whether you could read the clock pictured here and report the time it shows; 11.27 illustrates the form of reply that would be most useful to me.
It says 5.58
